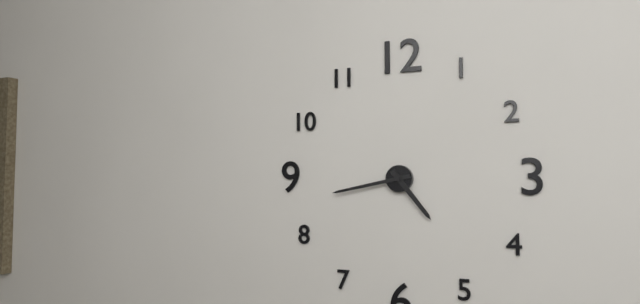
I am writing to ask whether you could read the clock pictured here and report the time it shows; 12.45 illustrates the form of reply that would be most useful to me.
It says 4.43
